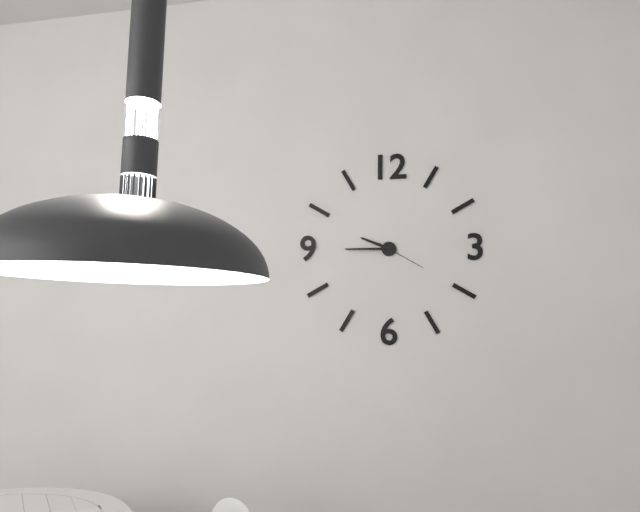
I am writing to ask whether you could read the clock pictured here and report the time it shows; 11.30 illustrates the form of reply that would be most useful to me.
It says 9.45
